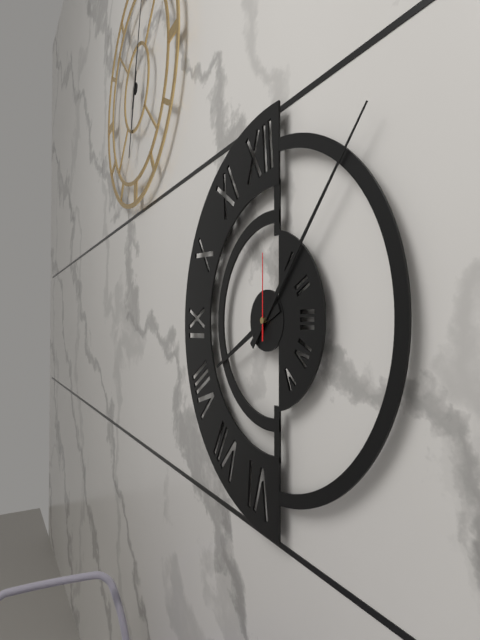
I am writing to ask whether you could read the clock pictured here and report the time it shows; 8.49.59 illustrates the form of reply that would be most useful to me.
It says 8.07.00
